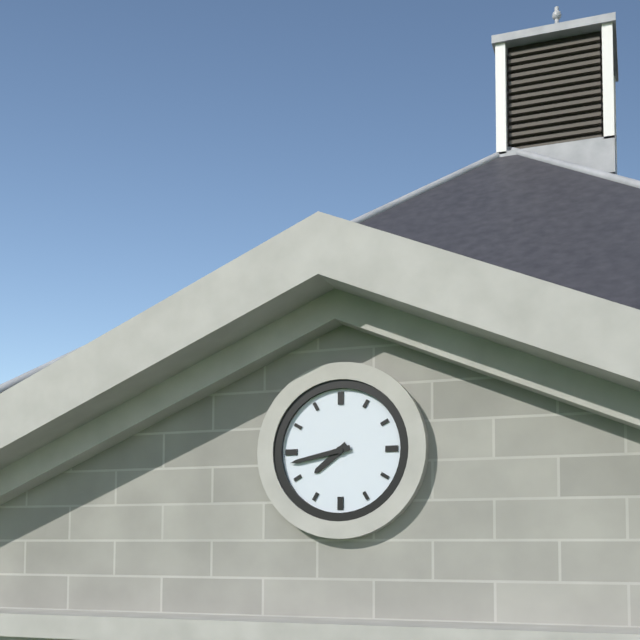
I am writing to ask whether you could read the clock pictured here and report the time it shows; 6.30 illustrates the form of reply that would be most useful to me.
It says 7.43
